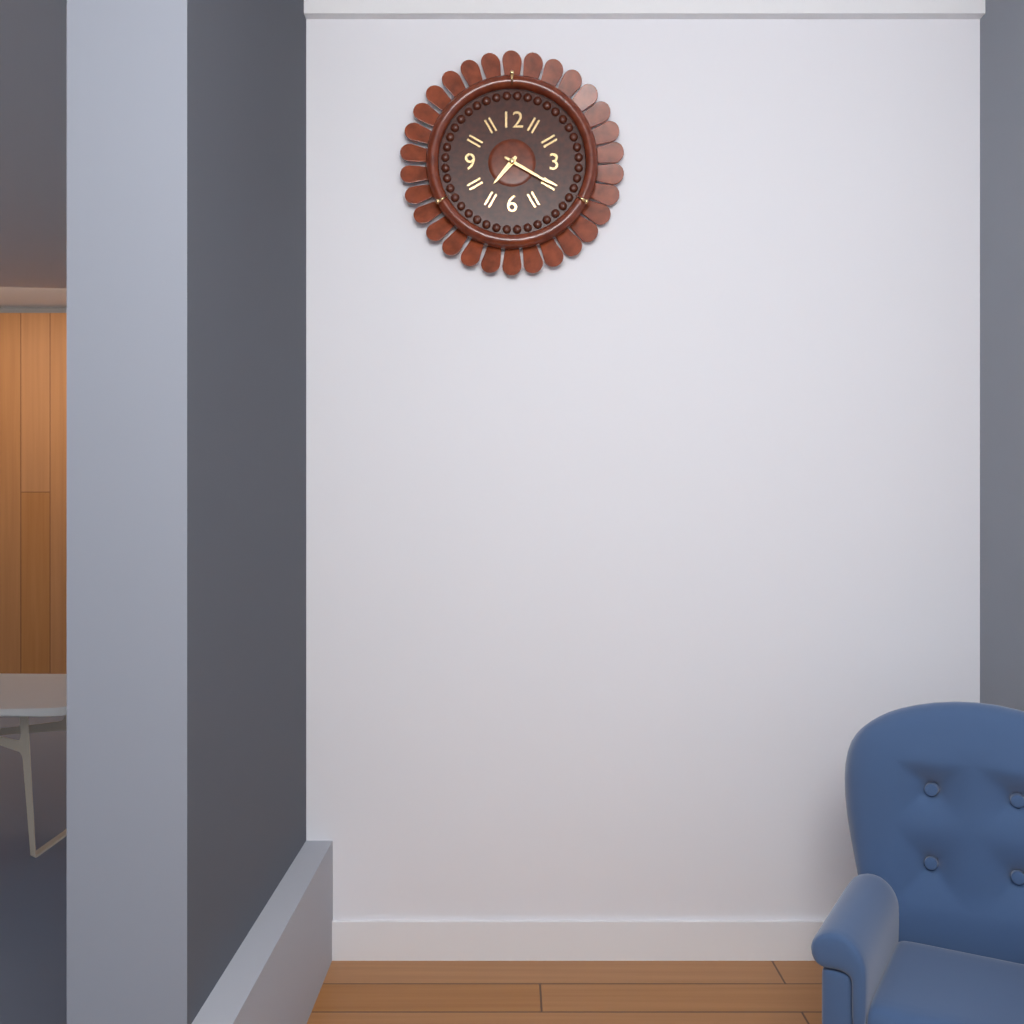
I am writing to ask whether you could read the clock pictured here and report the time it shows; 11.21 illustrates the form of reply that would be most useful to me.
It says 7.20
